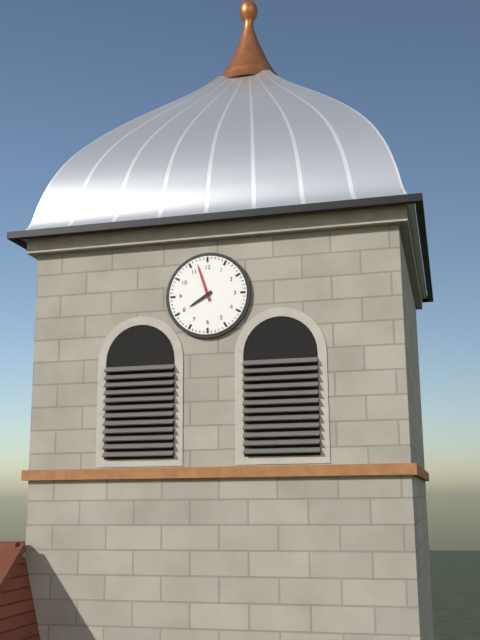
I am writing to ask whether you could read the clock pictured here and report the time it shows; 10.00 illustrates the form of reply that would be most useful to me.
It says 7.57
